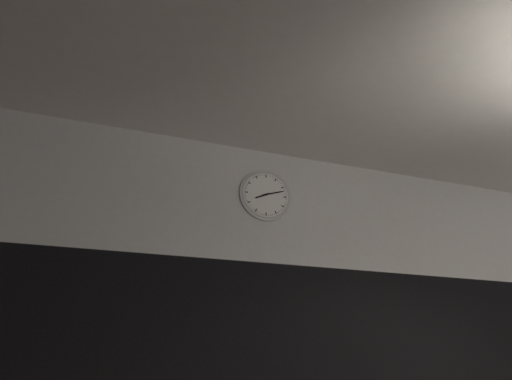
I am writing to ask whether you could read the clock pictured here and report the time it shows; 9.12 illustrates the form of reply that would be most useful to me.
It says 8.12
